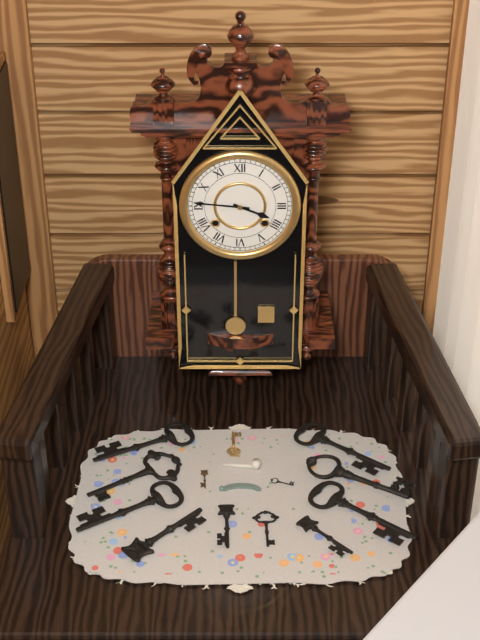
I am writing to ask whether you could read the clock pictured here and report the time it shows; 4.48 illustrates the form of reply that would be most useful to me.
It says 3.46
